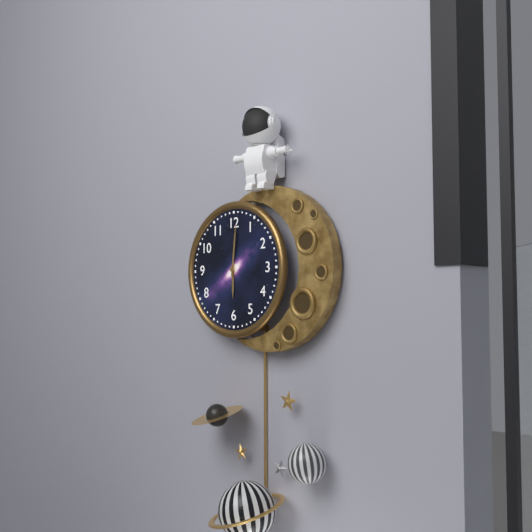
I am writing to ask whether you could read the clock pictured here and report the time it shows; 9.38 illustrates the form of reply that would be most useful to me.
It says 6.01
